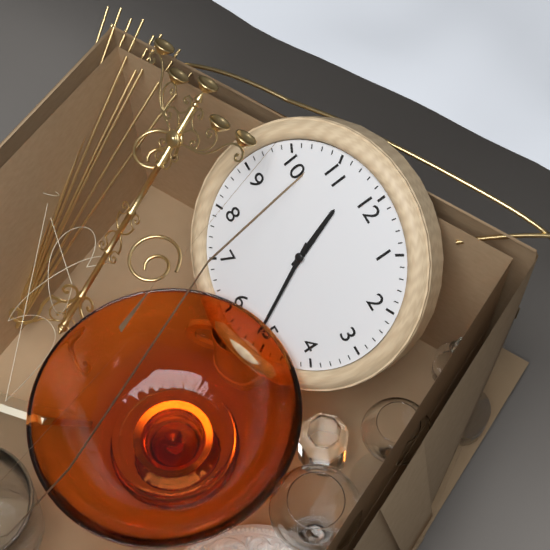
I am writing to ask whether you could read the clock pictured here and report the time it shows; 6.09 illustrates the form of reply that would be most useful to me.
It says 11.26
